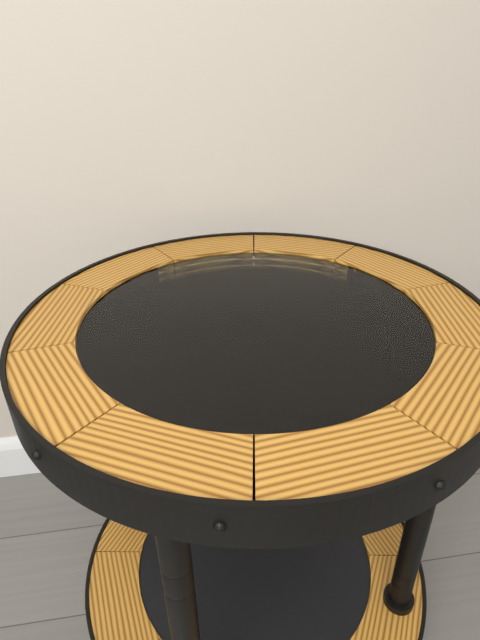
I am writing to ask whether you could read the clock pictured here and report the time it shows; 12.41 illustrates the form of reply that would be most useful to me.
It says 3.16
